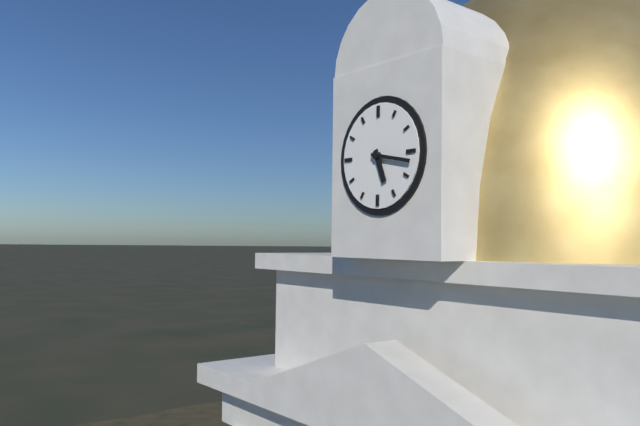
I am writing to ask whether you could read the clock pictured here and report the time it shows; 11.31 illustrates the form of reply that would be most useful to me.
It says 5.17
